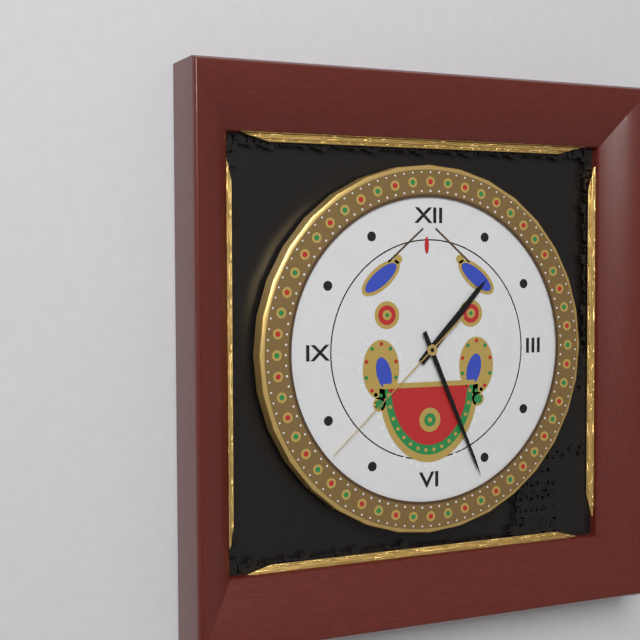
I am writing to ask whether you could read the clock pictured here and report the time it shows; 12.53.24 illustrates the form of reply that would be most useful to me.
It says 1.26.38
